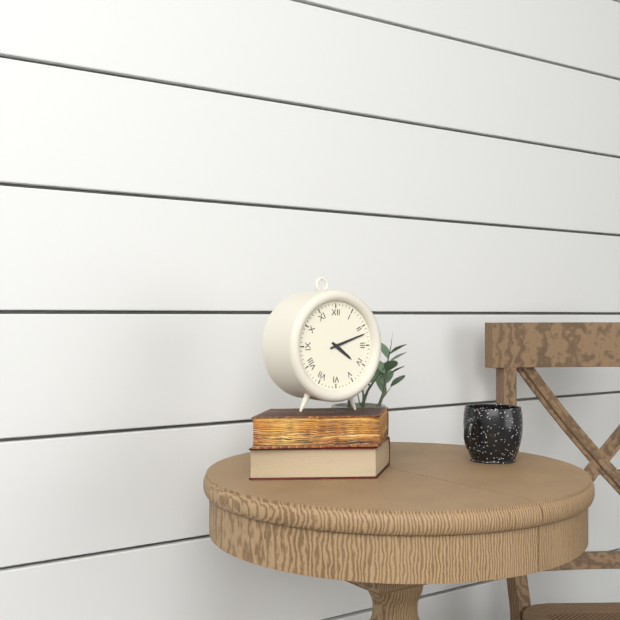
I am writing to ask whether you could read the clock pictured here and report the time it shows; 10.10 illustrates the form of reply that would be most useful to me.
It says 4.12
